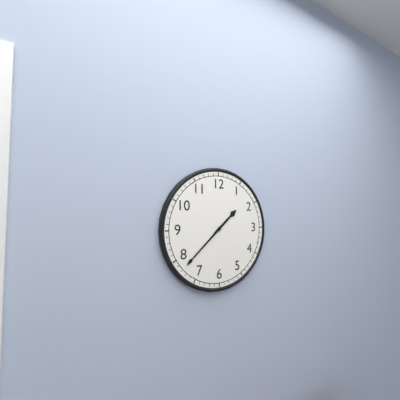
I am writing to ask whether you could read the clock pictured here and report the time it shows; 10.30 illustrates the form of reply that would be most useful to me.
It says 1.38
